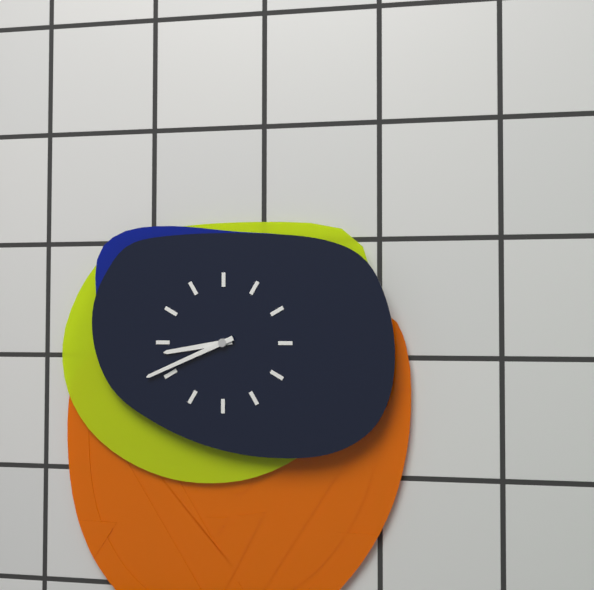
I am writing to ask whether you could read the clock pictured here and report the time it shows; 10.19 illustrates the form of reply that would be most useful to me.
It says 8.41
